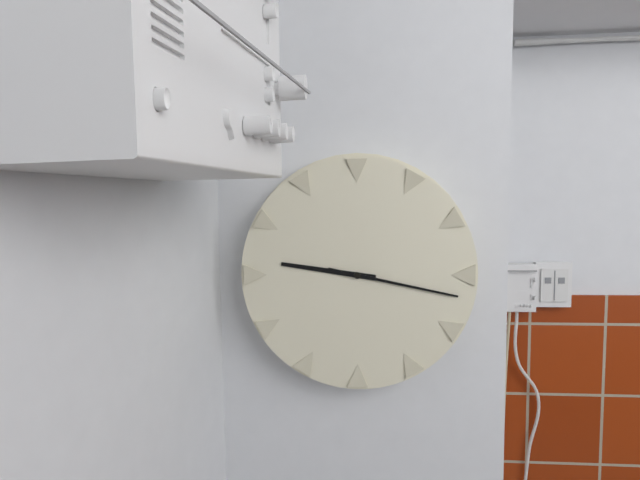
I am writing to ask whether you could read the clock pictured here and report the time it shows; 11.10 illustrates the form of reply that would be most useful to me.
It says 9.17
